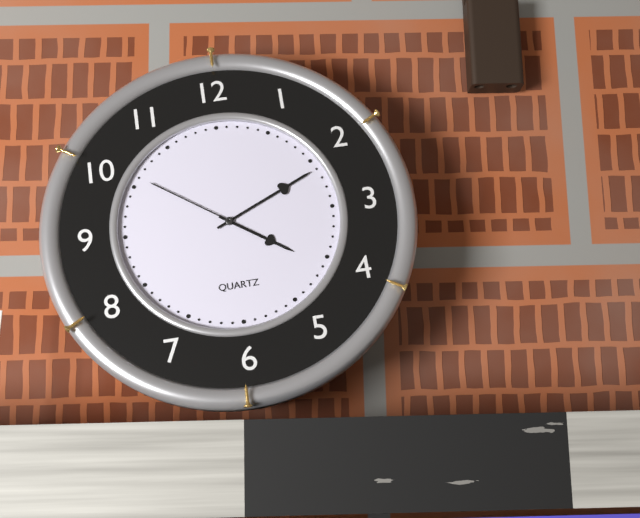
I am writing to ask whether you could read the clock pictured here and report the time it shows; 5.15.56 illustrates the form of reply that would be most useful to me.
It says 4.11.51
